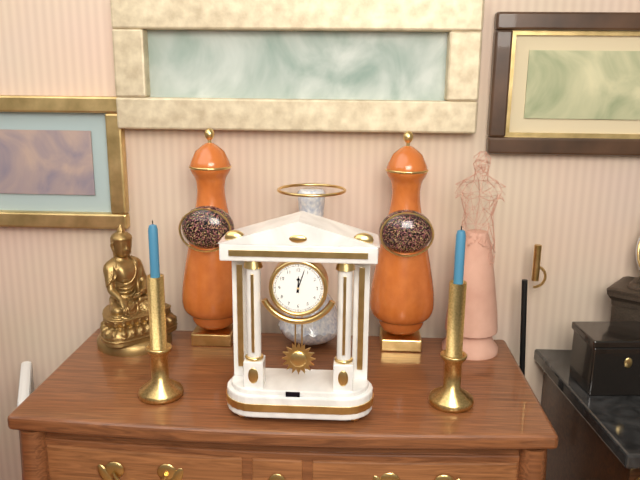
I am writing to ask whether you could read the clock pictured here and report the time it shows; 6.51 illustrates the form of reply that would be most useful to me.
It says 12.03
